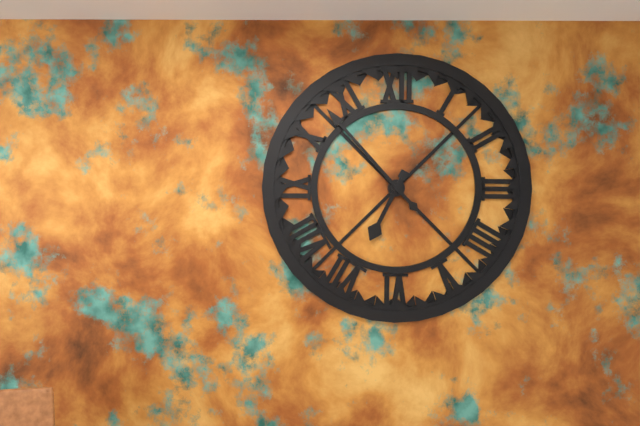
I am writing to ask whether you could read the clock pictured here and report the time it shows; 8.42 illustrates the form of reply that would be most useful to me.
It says 6.53
